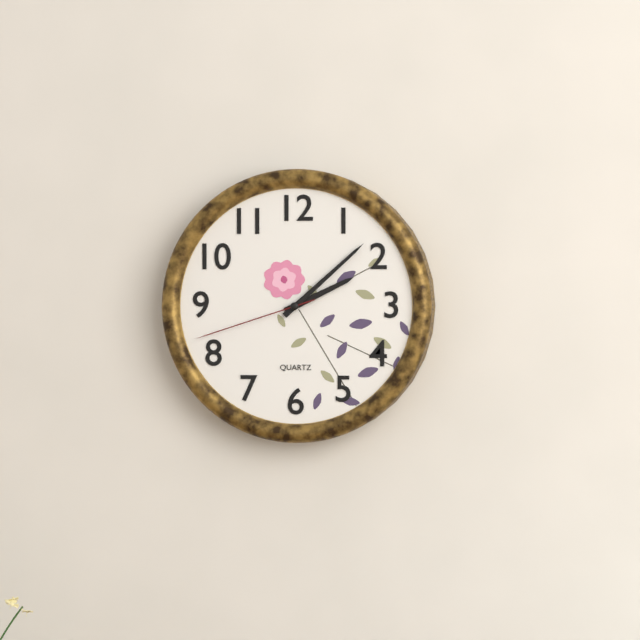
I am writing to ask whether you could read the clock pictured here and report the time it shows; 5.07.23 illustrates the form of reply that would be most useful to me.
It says 2.08.42
